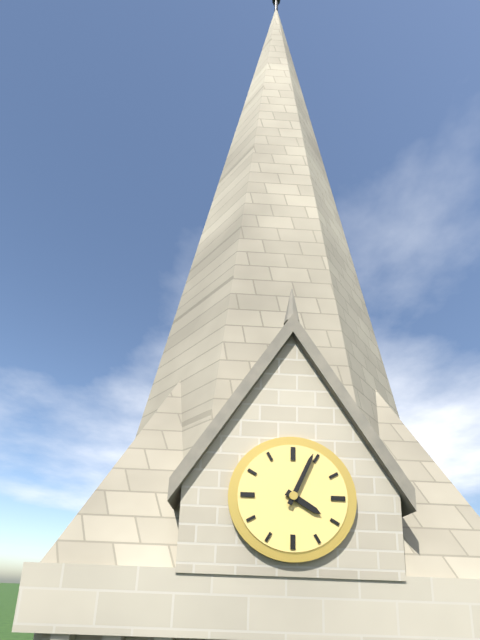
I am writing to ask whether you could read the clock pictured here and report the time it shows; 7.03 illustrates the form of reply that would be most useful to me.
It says 4.04
